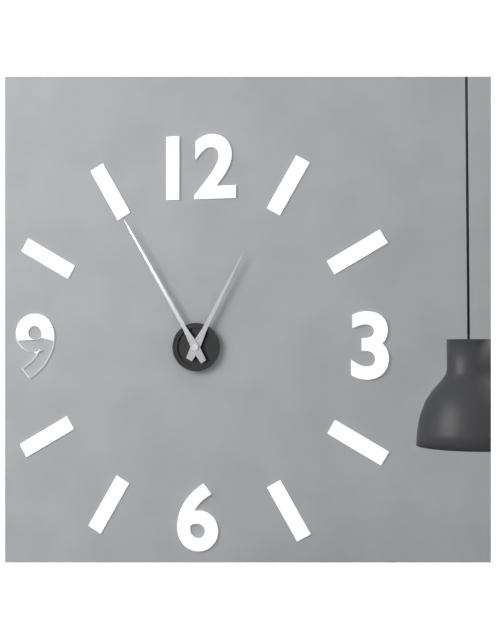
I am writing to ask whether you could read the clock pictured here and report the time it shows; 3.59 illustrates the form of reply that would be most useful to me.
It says 12.55
